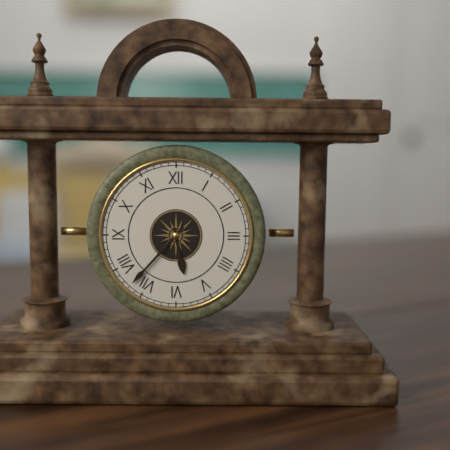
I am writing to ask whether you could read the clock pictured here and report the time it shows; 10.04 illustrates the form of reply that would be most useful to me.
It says 5.37
